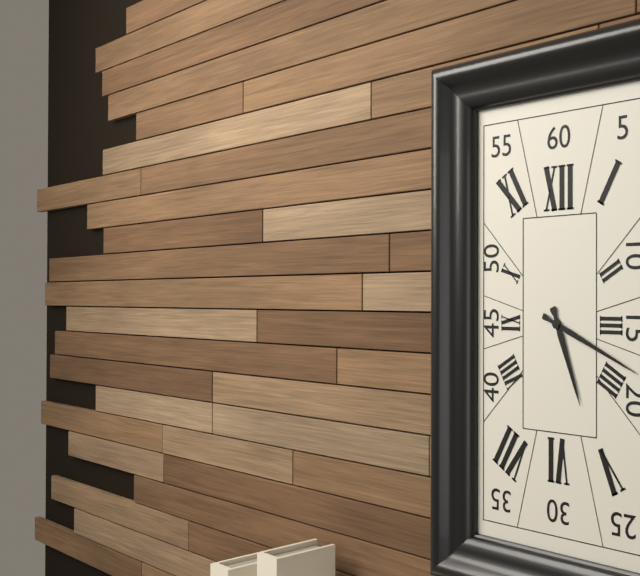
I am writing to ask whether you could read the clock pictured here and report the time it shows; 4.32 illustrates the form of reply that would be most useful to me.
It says 5.19
